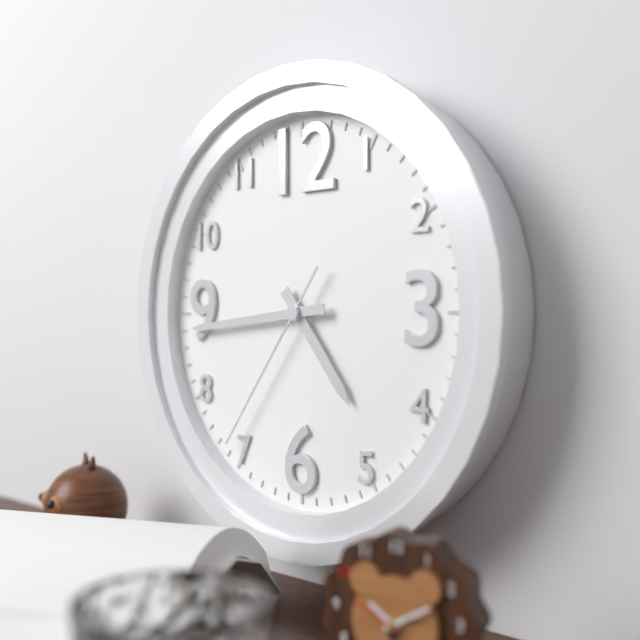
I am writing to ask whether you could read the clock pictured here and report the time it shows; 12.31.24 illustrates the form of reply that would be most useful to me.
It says 4.44.36
